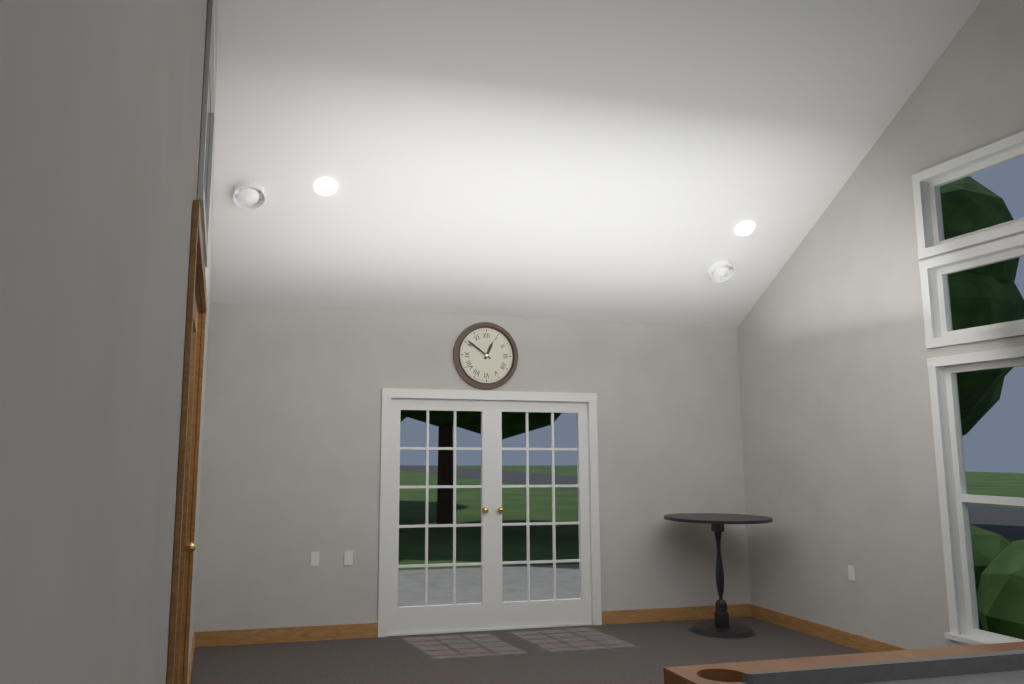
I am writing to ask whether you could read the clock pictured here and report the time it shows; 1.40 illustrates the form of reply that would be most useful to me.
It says 12.51
